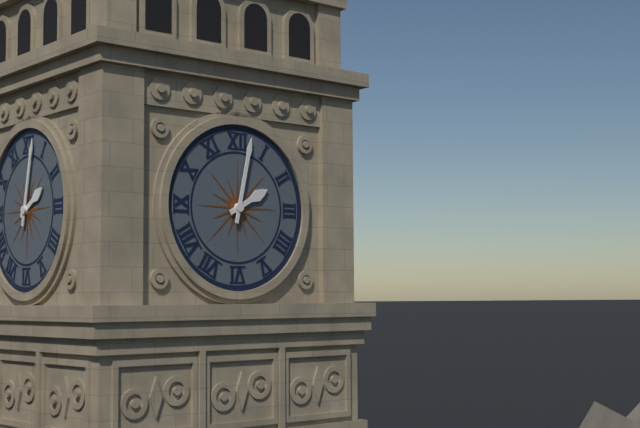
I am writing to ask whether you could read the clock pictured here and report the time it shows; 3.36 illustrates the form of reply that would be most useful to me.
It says 2.02
